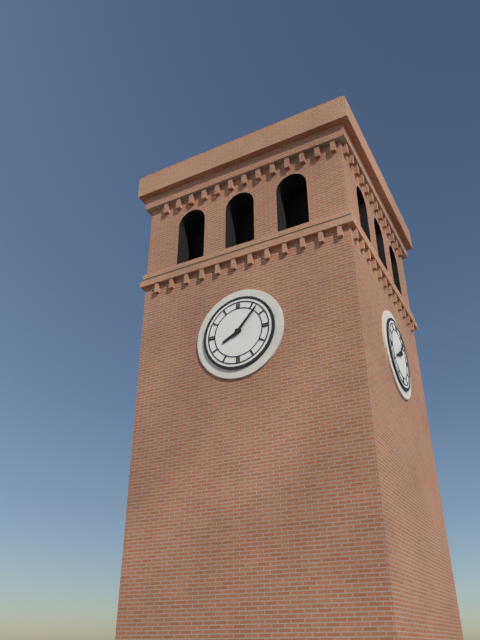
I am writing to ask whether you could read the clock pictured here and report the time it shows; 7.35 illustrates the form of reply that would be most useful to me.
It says 8.07
